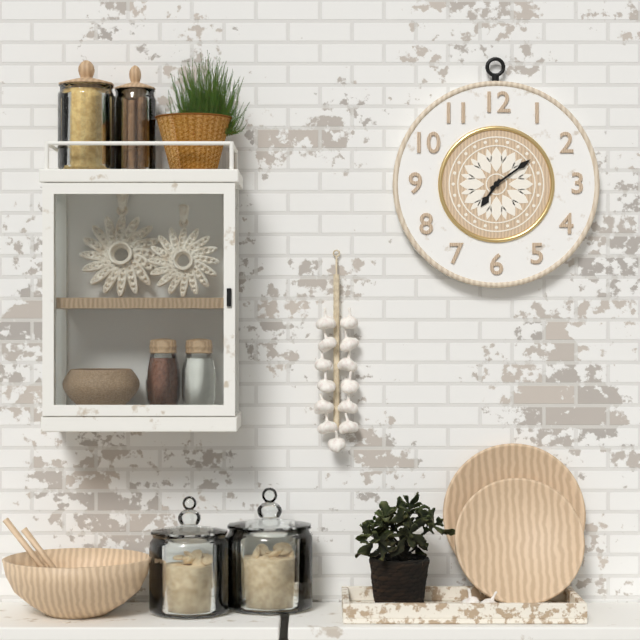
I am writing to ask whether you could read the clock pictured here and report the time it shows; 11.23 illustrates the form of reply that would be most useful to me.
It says 7.09
